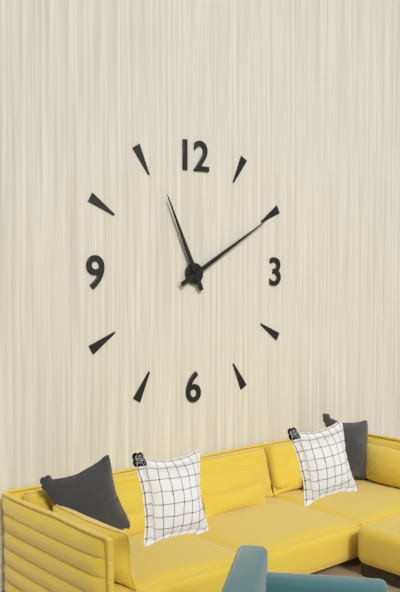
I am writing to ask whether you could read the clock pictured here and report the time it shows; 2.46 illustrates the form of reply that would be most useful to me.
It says 11.10
